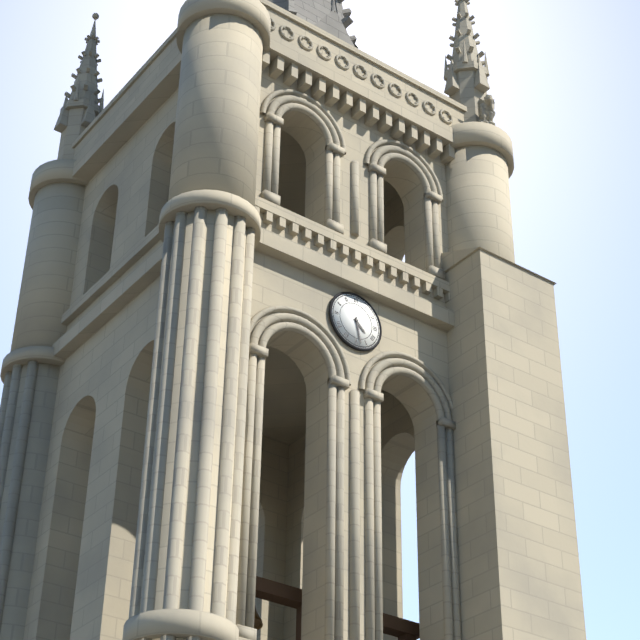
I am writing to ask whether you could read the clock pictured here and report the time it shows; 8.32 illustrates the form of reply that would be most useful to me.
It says 4.28
